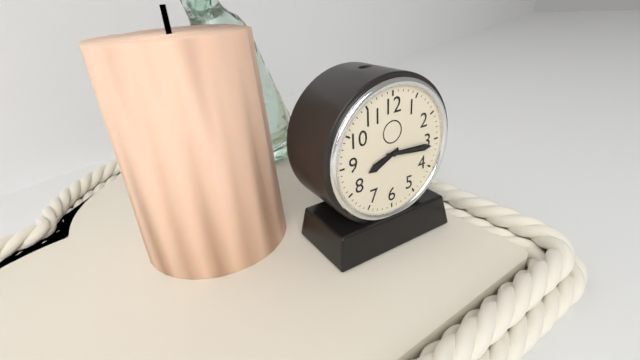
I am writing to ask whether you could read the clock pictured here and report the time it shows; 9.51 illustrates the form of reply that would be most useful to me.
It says 8.16
